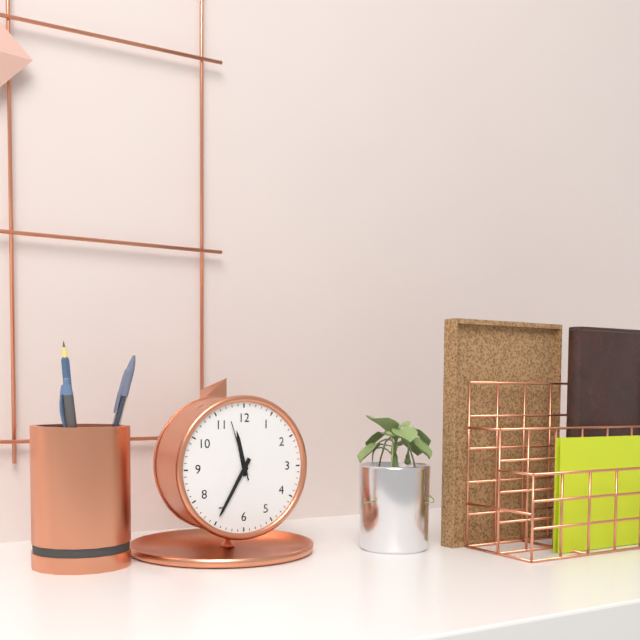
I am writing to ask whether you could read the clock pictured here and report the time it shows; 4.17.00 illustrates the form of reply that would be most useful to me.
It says 11.35.57
